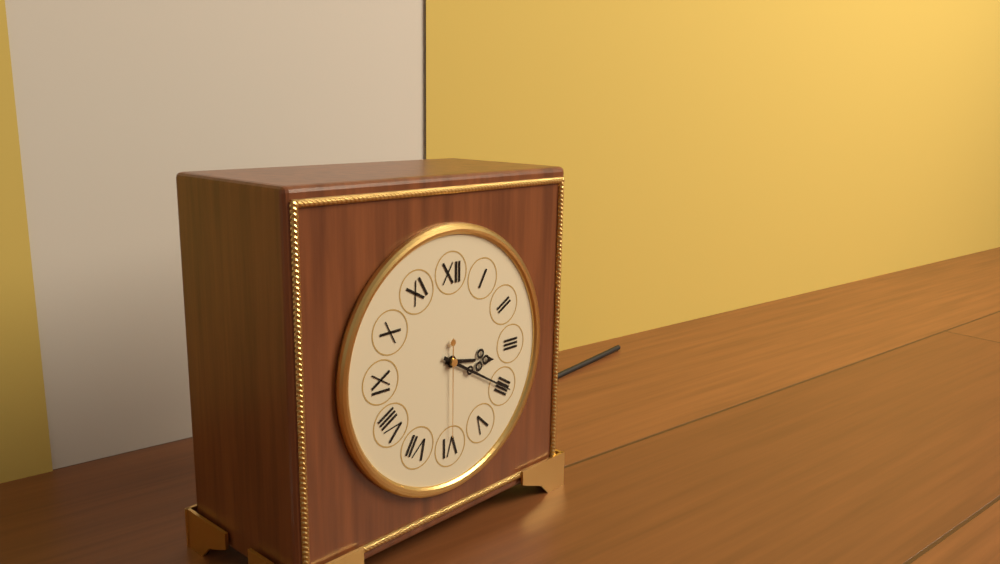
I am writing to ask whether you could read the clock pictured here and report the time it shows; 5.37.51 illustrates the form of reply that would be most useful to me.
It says 3.20.30
